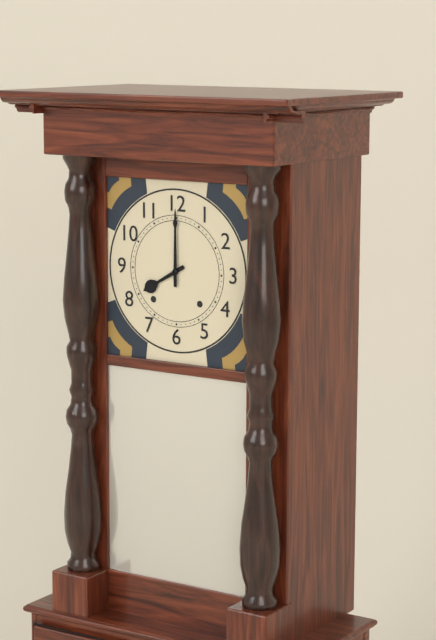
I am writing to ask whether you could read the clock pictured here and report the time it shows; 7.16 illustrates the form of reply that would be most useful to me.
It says 8.00
